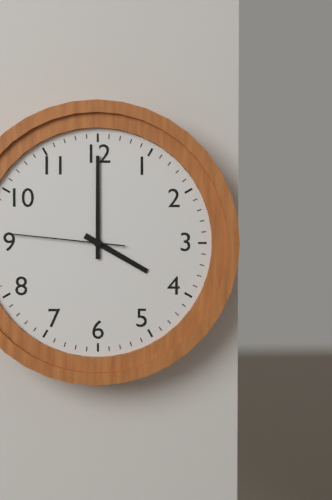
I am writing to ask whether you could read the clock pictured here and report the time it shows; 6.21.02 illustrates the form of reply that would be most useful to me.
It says 4.00.46
